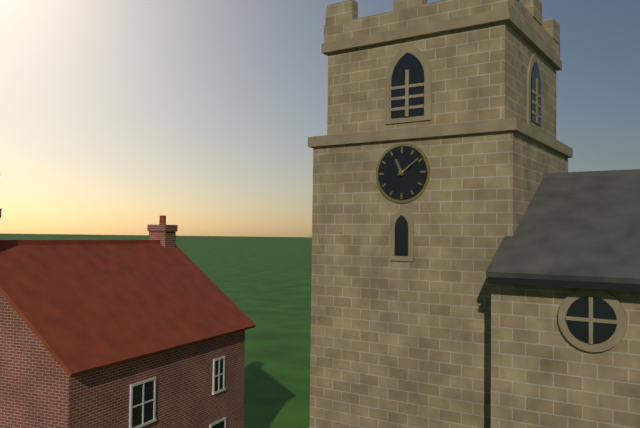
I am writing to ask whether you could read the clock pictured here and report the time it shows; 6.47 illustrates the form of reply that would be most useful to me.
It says 11.09
